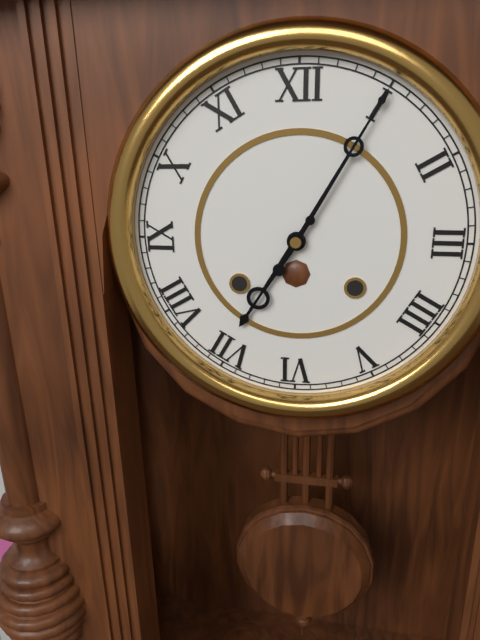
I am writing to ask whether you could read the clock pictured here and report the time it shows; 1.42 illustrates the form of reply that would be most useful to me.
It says 7.05
